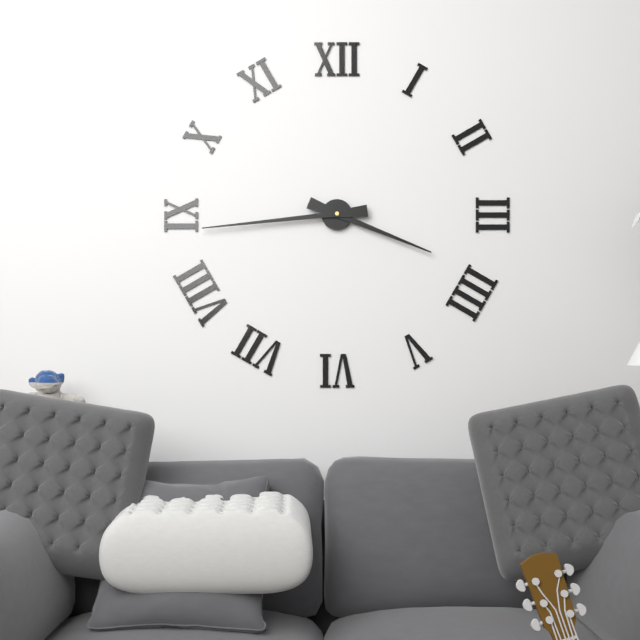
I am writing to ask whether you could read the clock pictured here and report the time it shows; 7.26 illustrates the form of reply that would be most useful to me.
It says 3.44
